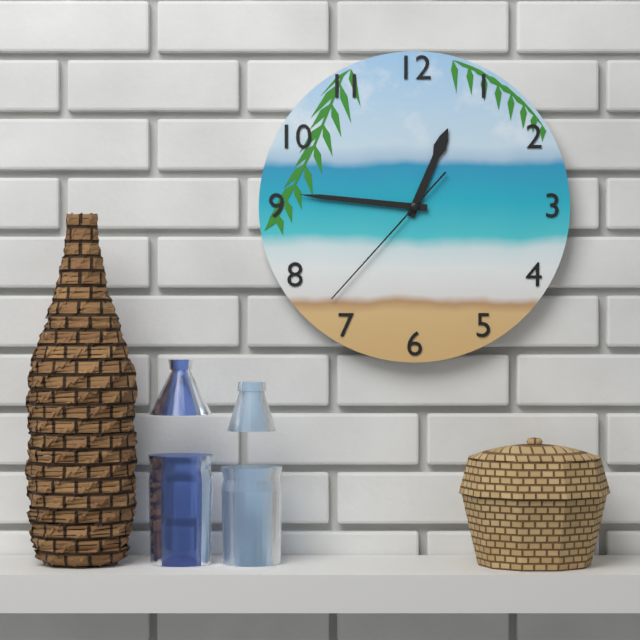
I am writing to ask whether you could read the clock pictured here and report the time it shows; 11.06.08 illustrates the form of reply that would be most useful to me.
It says 12.46.37
